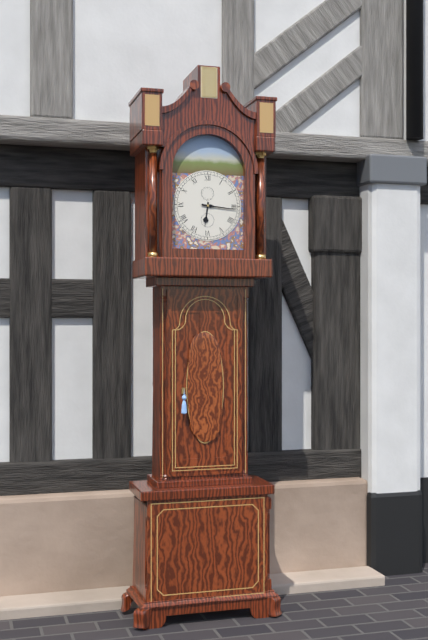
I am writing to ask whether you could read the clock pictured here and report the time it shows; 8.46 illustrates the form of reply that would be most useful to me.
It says 6.16
